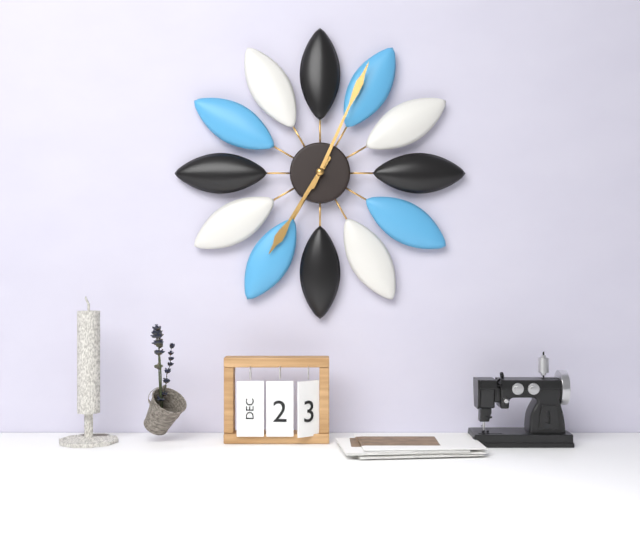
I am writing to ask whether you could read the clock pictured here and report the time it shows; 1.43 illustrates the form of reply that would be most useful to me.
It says 7.04
